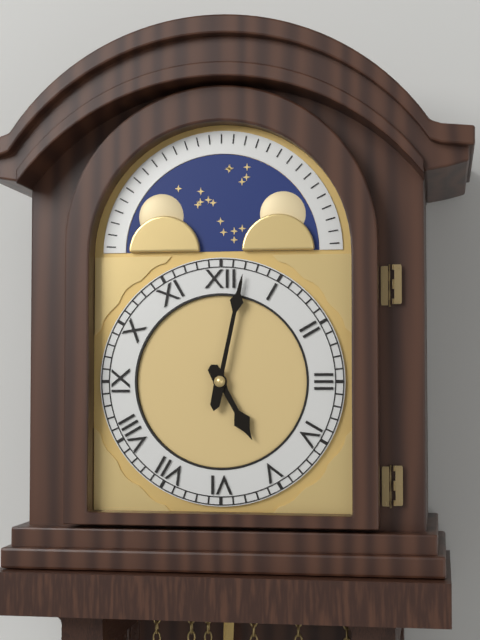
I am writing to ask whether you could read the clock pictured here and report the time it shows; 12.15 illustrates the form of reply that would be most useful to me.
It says 5.02
